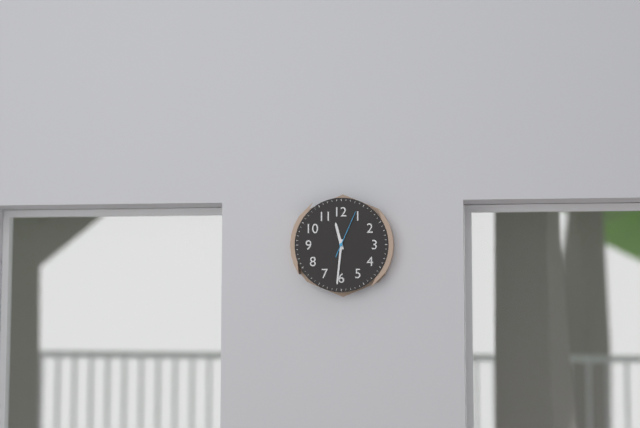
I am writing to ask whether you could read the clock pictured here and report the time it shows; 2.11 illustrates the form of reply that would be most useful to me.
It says 11.31
